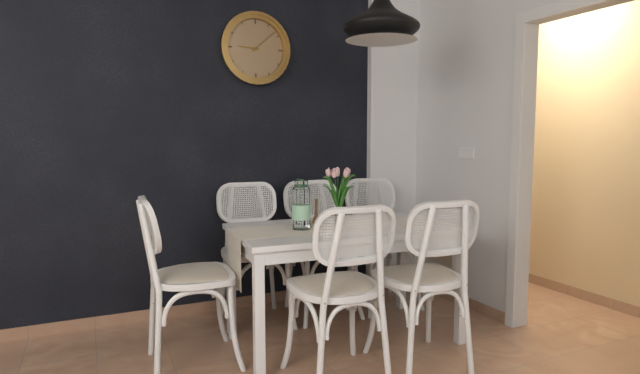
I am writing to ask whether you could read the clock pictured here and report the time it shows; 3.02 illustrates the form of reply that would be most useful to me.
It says 9.08
